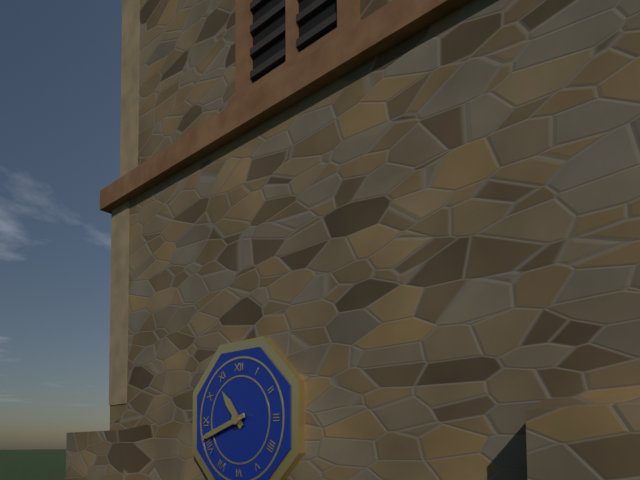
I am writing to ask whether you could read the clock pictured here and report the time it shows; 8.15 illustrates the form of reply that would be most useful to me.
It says 10.42
